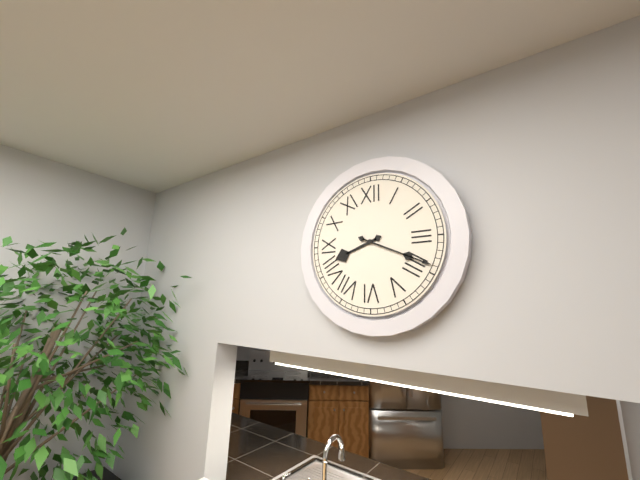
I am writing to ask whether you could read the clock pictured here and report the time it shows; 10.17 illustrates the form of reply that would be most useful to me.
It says 8.19
